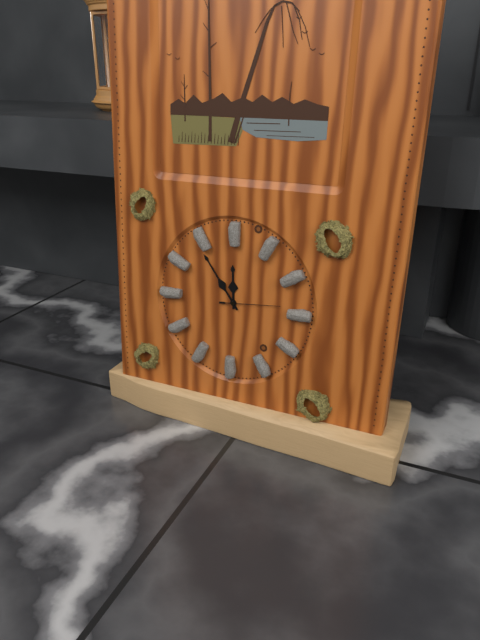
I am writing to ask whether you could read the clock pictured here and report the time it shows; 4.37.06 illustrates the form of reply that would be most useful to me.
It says 11.54.14
